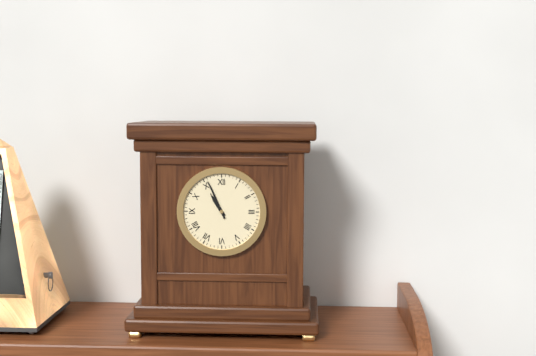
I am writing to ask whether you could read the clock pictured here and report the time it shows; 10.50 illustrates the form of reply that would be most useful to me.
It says 10.56
